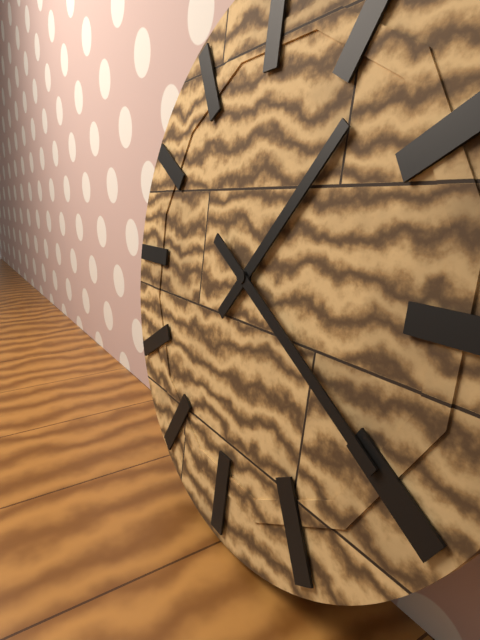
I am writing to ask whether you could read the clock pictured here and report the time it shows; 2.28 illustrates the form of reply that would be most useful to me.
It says 1.20
